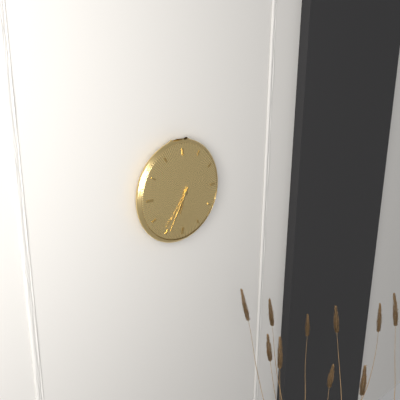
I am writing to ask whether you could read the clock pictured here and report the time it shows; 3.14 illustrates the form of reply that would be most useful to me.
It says 6.35
